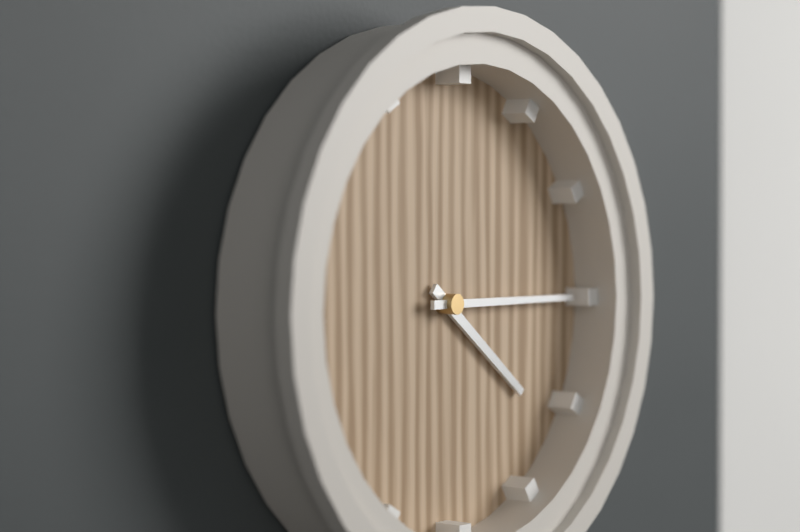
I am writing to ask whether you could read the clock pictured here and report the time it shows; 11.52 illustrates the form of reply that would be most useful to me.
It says 4.15
